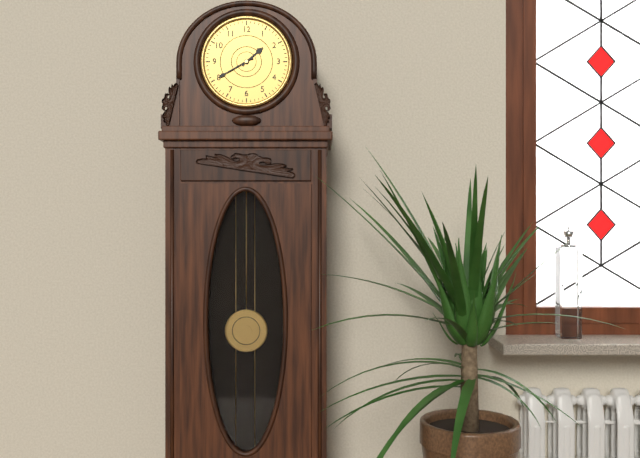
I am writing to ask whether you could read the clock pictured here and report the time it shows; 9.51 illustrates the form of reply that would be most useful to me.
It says 1.40
